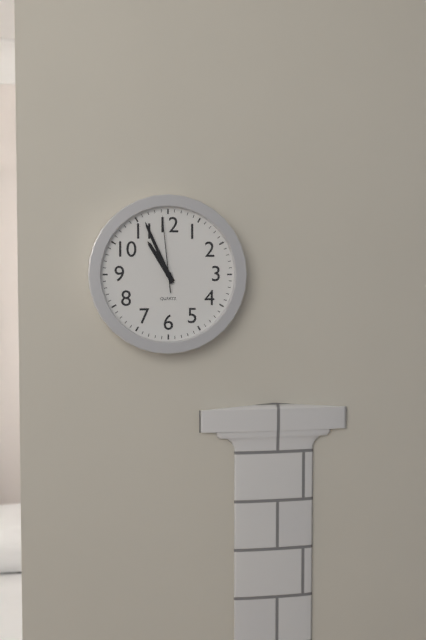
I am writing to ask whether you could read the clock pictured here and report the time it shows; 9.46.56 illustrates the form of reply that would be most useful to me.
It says 10.56.59
